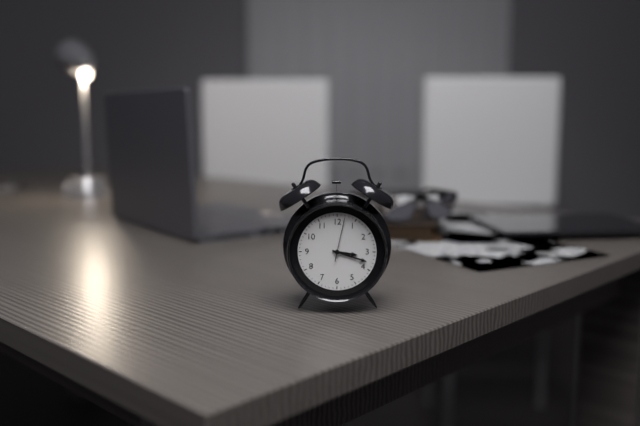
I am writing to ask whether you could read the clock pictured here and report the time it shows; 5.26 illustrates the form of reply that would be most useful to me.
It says 3.18
